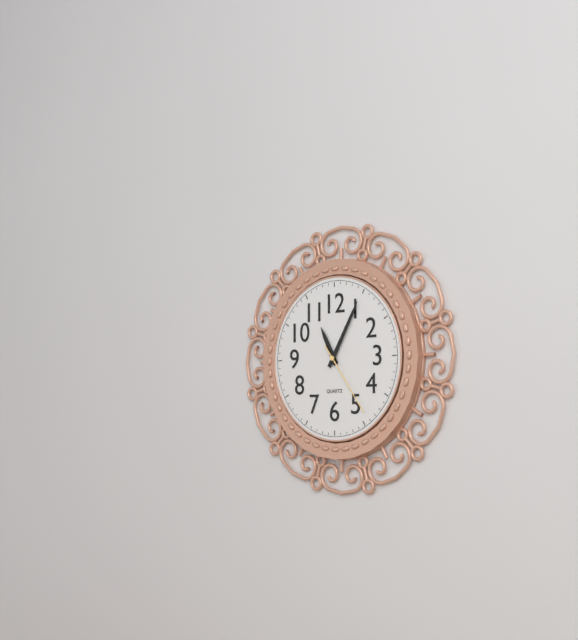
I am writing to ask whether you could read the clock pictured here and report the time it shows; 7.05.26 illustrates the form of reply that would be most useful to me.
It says 11.05.24
